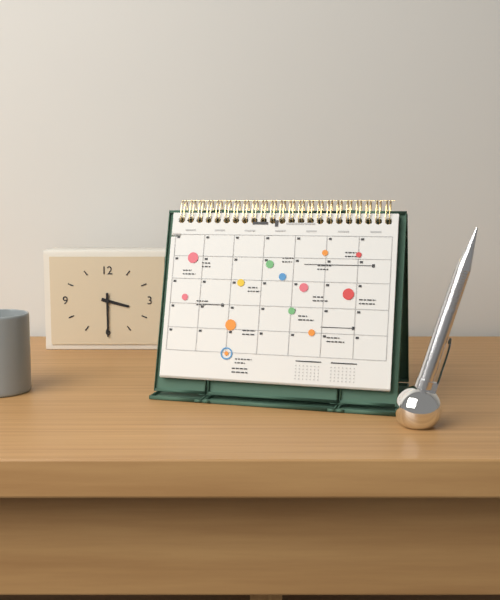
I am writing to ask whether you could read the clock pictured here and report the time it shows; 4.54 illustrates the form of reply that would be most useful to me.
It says 3.30
